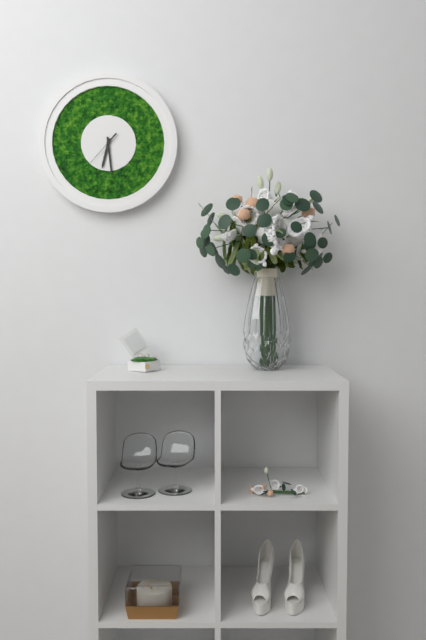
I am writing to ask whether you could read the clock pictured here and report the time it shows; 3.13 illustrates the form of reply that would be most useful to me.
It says 6.29
